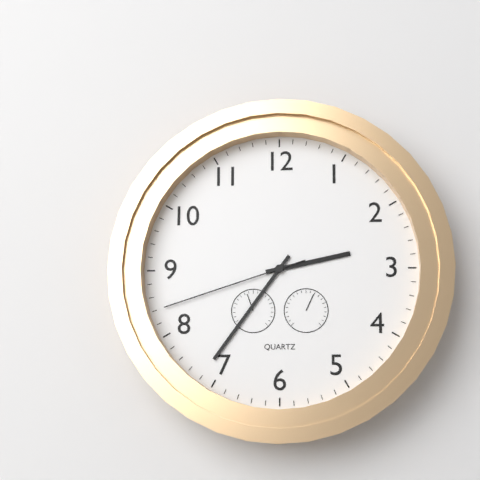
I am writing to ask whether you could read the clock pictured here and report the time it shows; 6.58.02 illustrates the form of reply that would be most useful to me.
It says 2.36.42
